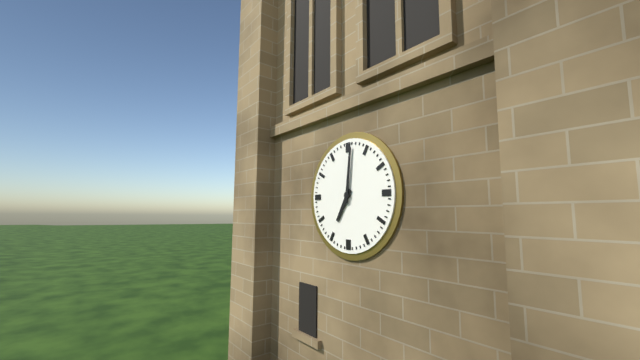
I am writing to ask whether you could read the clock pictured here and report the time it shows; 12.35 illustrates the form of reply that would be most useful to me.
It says 7.01
